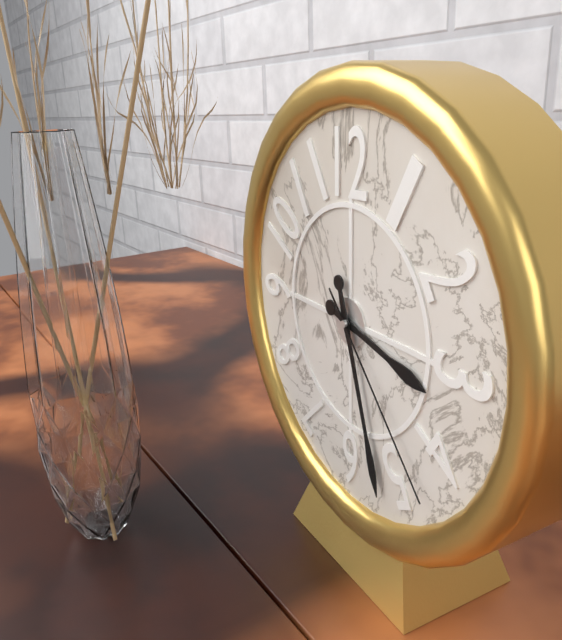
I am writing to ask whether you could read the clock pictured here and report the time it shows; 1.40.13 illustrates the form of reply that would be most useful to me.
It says 3.27.23
